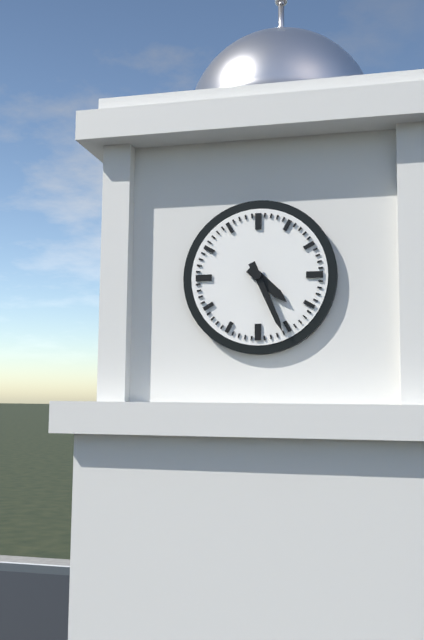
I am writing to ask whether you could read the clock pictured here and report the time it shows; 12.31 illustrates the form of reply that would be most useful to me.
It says 4.26
